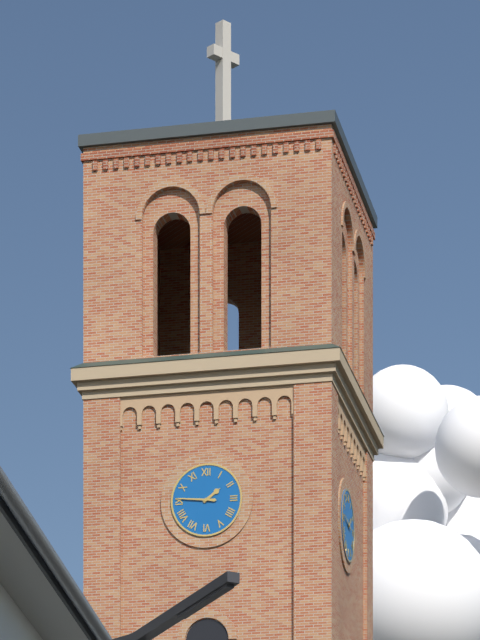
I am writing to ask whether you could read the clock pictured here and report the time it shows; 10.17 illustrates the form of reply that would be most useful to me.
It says 1.46
